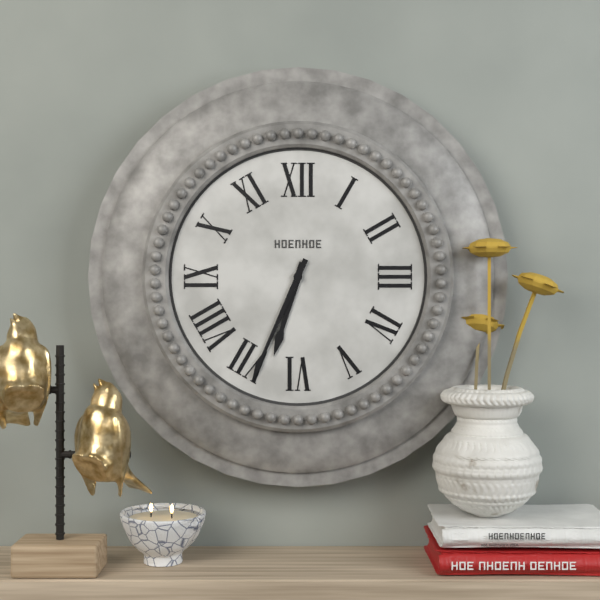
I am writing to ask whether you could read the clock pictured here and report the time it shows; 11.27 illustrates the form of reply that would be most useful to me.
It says 6.34
